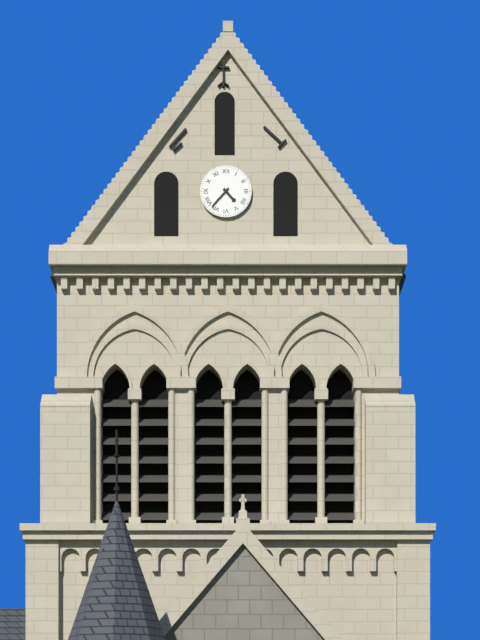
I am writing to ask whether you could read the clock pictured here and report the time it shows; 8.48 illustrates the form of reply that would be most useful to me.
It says 4.37
